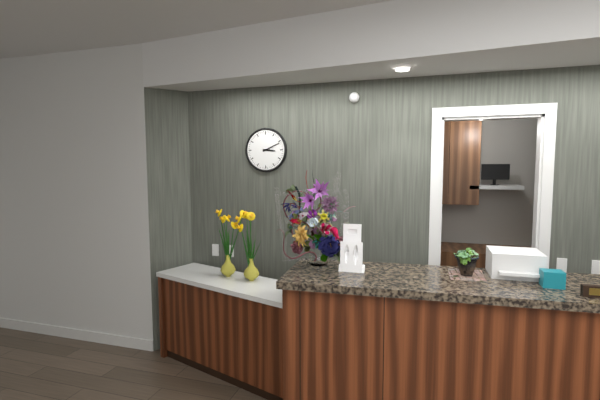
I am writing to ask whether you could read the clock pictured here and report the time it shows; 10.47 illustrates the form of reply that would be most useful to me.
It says 3.11
